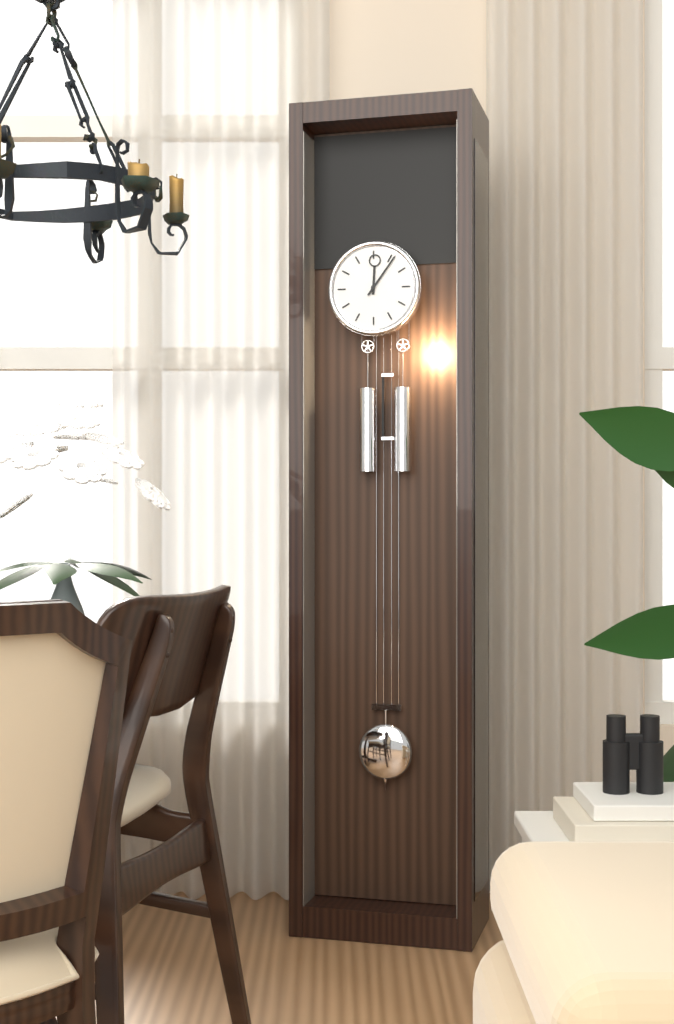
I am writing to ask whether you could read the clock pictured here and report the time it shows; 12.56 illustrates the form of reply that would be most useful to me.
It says 12.06
